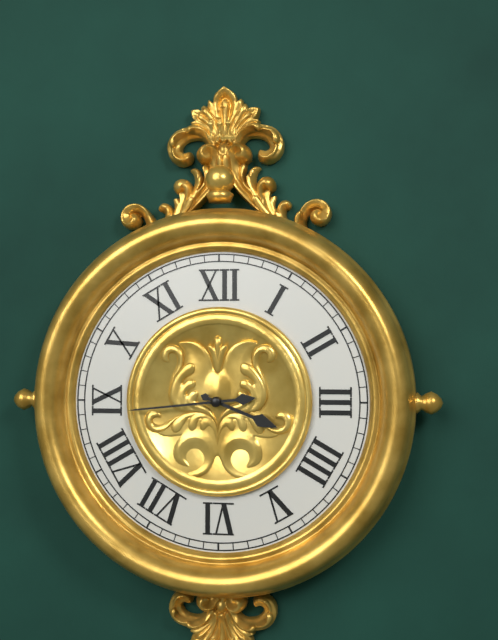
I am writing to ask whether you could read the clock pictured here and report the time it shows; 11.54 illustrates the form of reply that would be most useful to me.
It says 3.44
